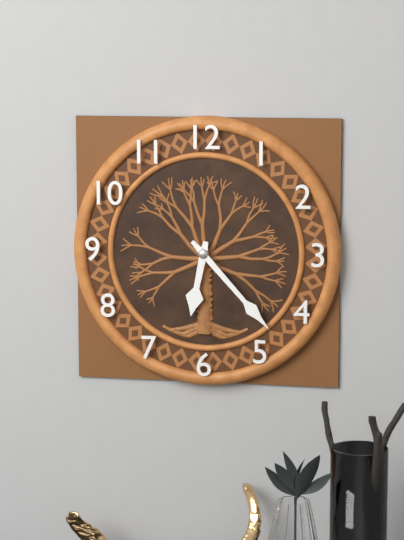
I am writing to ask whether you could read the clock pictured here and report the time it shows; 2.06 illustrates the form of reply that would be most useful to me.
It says 6.23
